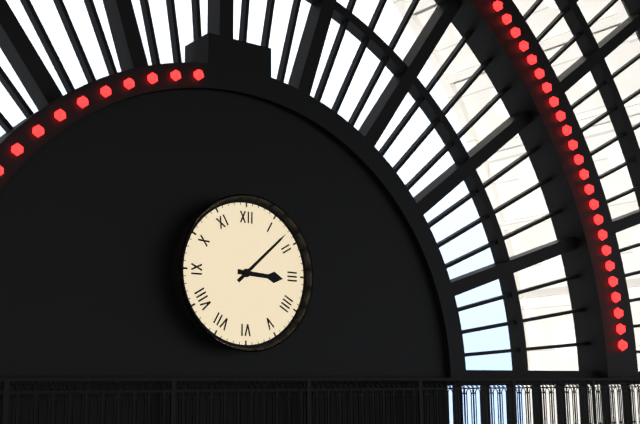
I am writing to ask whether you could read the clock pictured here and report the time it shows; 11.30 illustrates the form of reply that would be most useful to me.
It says 3.08
